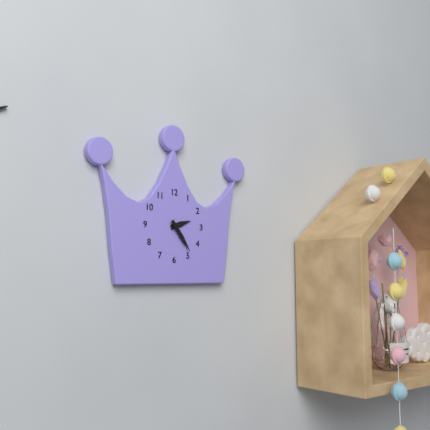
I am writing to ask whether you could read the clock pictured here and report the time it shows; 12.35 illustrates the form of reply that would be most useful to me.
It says 2.24
